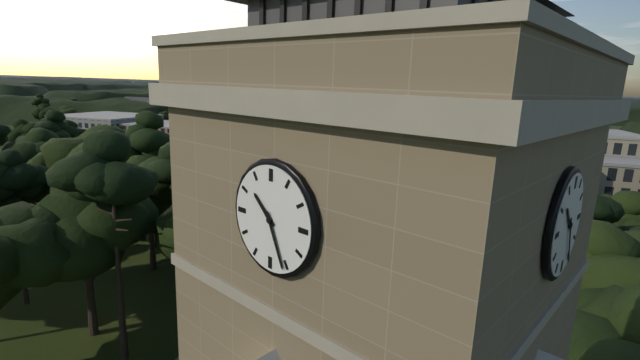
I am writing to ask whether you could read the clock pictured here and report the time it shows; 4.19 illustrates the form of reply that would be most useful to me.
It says 10.26
